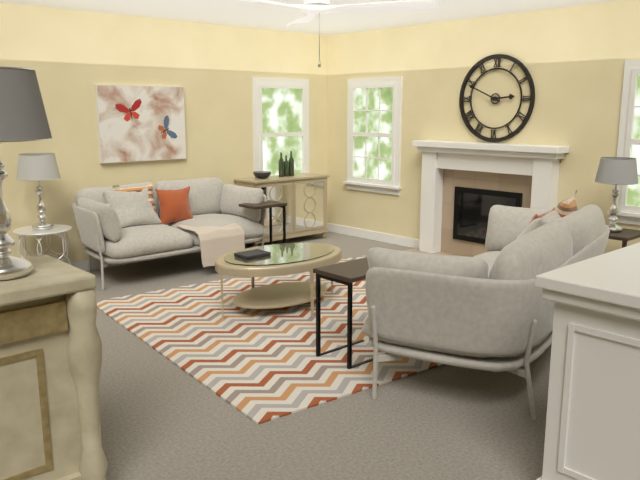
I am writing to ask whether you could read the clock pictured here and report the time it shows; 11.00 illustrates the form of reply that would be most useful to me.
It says 2.49
